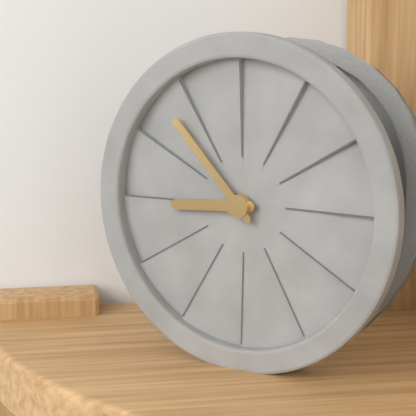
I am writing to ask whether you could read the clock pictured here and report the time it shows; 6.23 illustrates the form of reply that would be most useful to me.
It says 8.53
